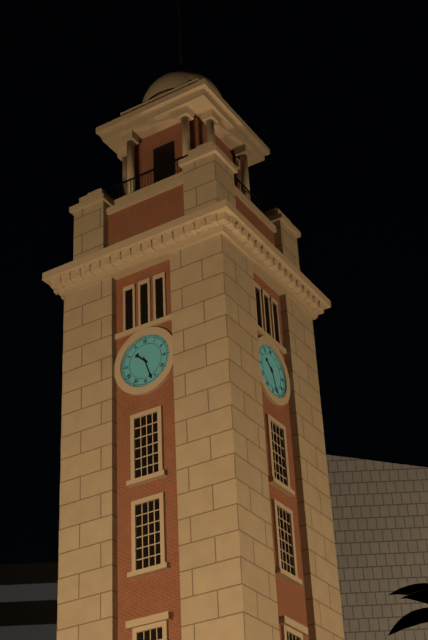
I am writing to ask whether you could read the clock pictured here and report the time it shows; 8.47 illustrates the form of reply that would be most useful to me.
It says 10.27
